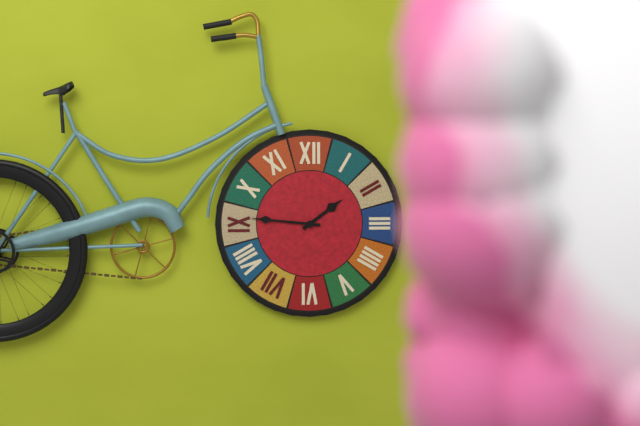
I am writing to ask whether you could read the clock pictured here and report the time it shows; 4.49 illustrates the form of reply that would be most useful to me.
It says 1.46
